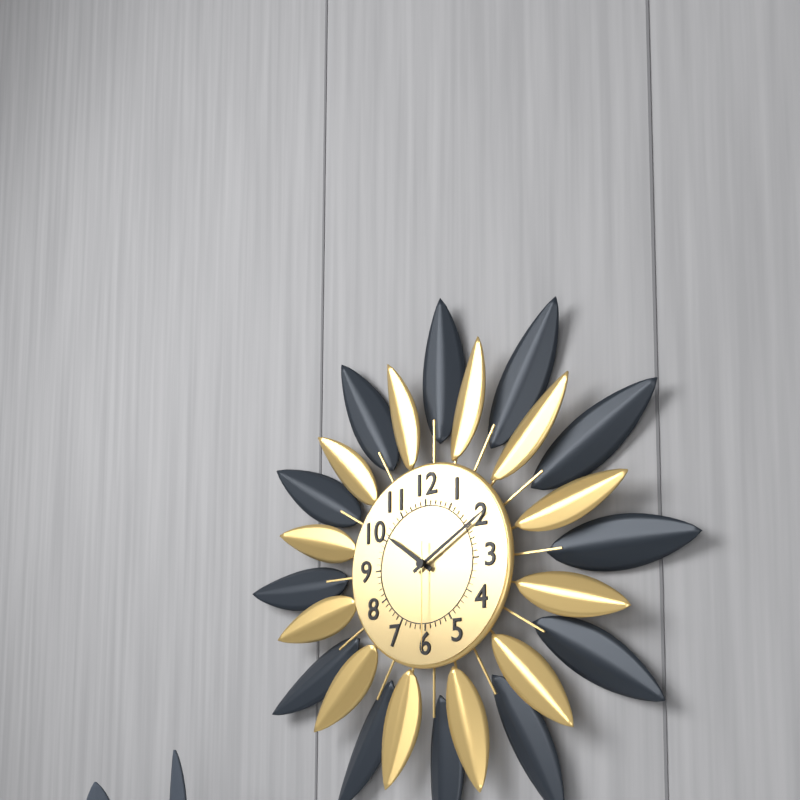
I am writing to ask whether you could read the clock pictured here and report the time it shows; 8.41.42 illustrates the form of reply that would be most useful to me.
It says 10.10.30
